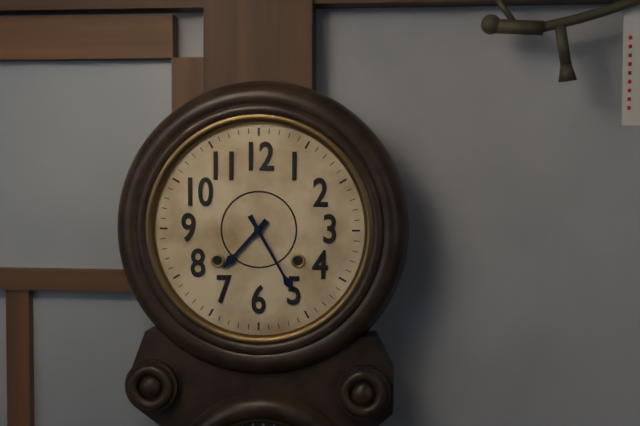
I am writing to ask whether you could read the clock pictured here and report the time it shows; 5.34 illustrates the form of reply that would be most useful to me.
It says 7.25
